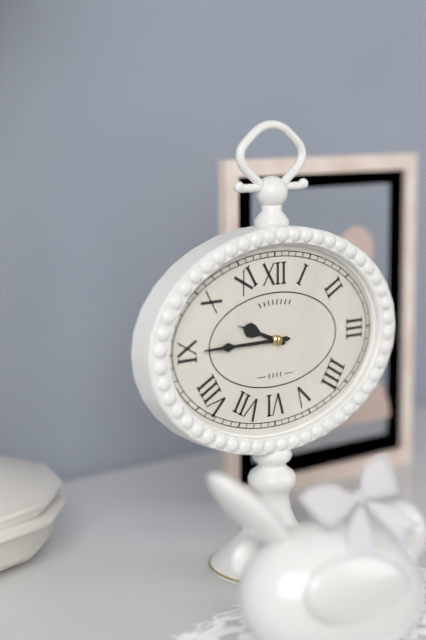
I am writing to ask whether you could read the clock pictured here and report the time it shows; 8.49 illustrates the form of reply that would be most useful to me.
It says 9.45
